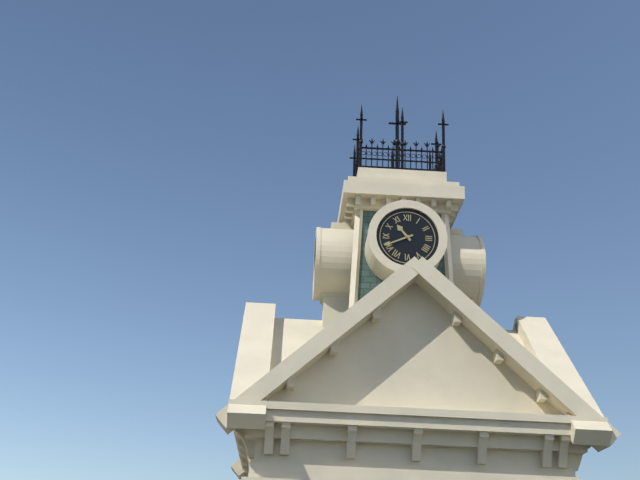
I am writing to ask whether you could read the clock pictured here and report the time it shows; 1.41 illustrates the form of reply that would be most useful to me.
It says 10.41
